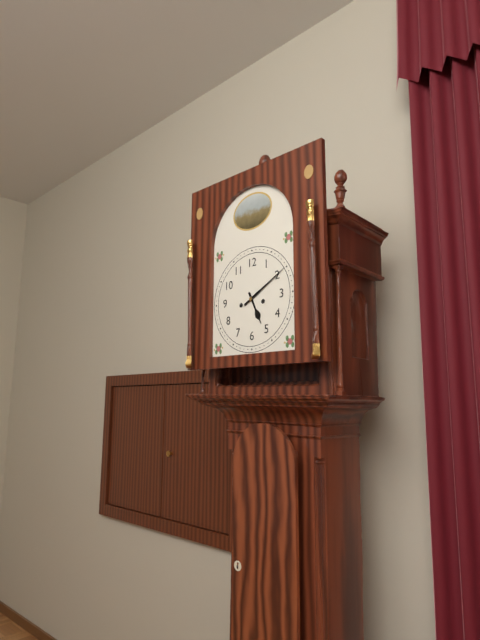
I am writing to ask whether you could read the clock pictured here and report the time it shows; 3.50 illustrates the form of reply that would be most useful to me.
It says 5.10
